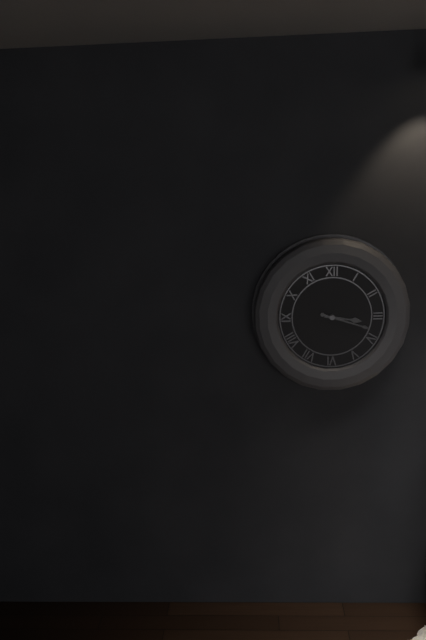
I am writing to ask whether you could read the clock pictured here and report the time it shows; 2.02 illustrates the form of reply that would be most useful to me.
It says 3.18
